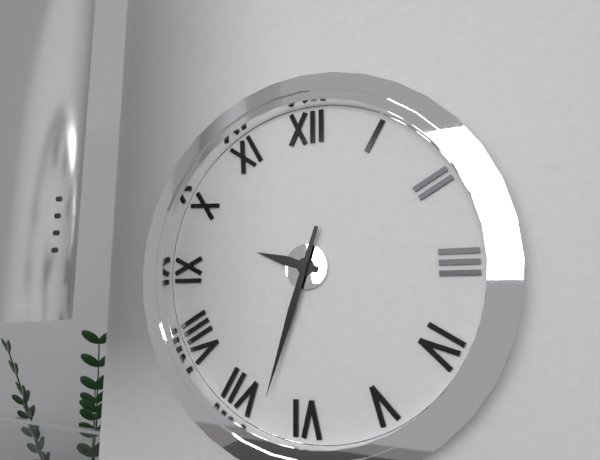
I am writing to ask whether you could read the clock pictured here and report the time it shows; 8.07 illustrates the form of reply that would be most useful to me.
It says 9.33
